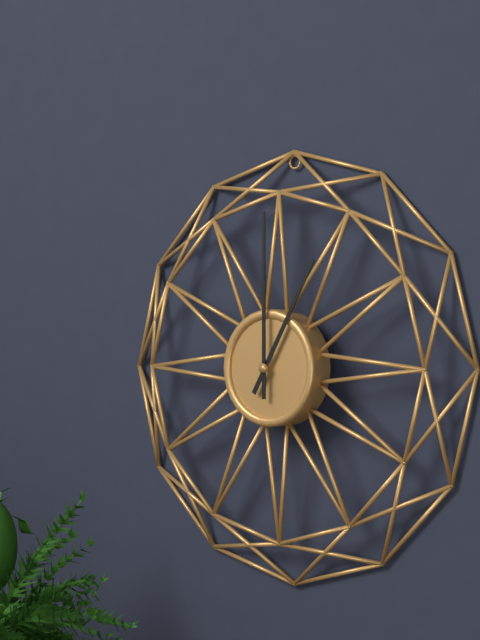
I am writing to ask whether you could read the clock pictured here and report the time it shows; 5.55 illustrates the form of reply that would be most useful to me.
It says 1.00
